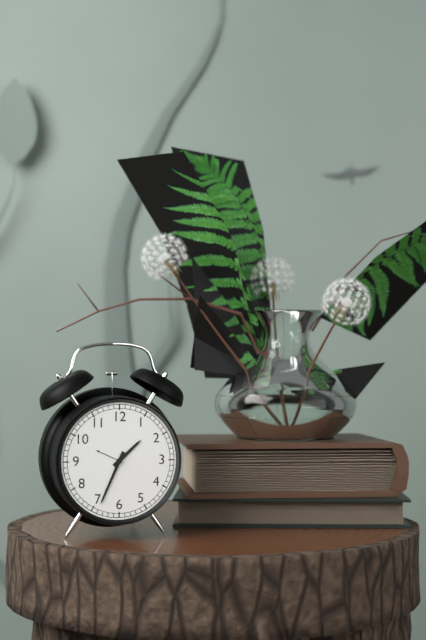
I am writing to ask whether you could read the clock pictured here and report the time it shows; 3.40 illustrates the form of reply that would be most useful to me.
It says 1.34
